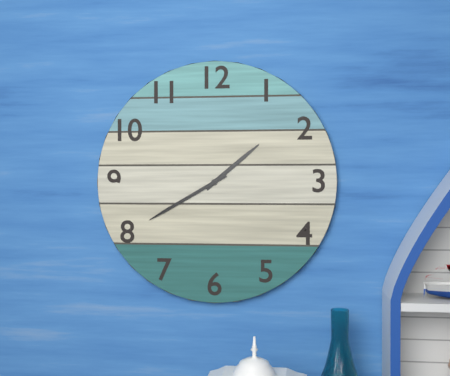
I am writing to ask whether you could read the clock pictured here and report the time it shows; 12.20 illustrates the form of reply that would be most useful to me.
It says 1.40
